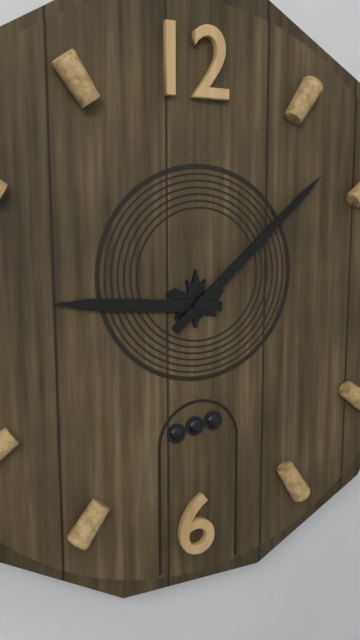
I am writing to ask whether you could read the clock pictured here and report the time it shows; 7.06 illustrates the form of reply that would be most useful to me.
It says 9.08
